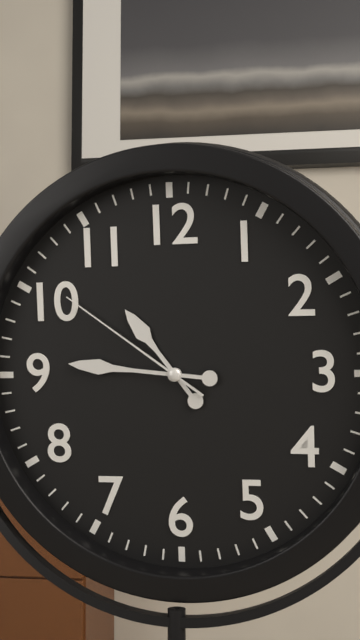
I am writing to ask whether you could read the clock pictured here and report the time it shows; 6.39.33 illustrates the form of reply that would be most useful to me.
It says 10.46.51
